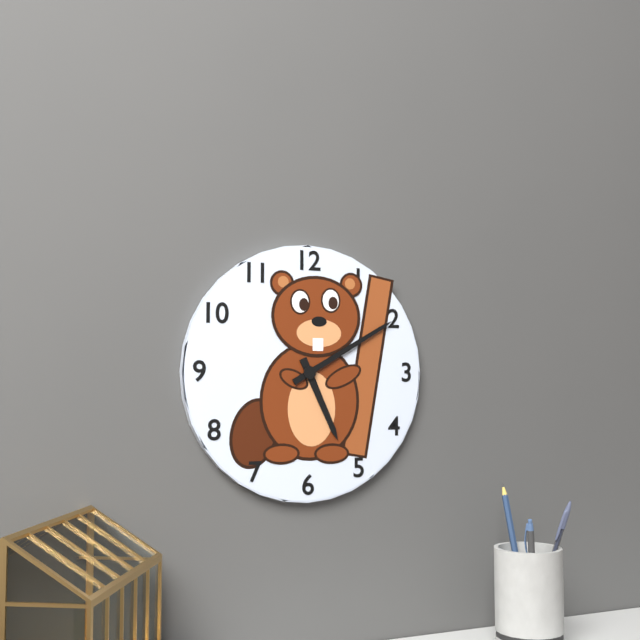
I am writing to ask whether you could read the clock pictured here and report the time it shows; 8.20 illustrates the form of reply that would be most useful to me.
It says 5.10
